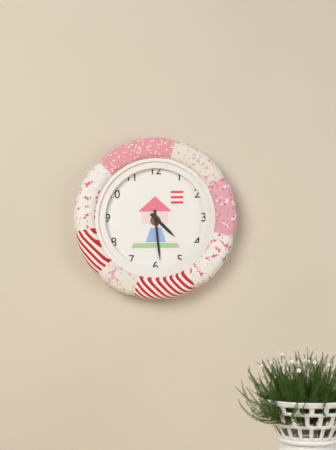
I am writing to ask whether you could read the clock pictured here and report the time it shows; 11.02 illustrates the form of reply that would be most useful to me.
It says 4.29
